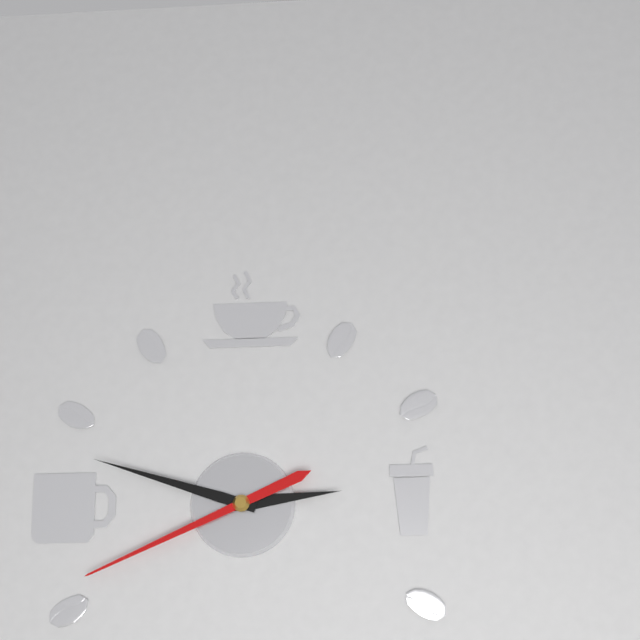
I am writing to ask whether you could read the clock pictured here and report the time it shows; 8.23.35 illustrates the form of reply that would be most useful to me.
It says 2.48.41
